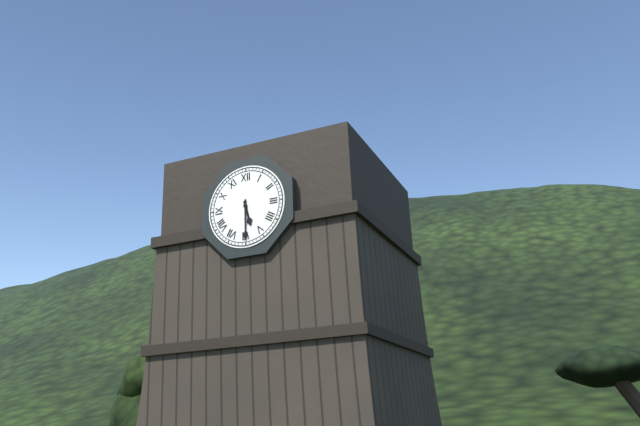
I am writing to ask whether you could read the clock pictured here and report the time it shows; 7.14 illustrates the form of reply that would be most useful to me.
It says 5.30
